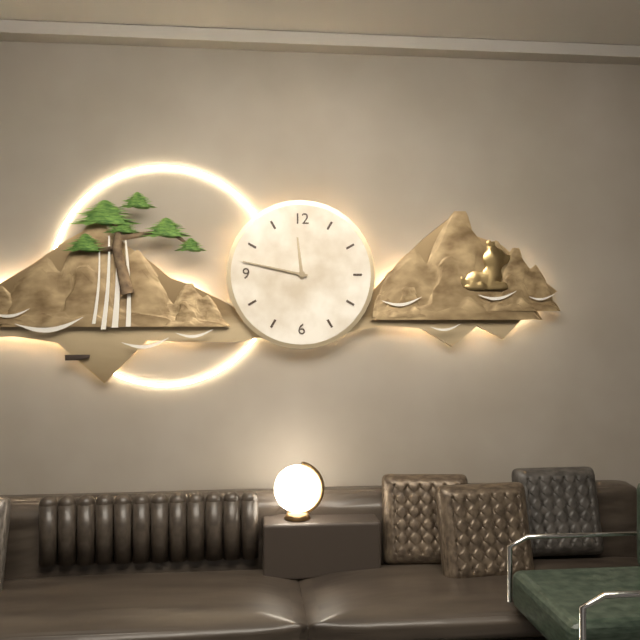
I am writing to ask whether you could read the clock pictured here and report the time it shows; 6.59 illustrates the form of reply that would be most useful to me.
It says 11.47
